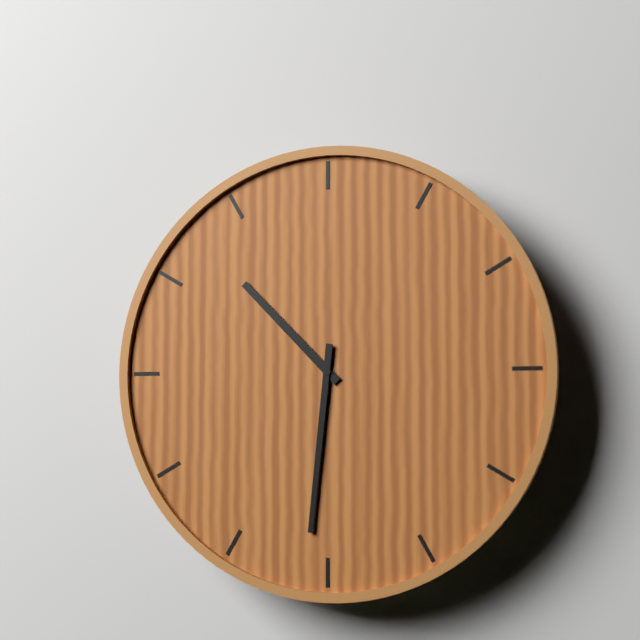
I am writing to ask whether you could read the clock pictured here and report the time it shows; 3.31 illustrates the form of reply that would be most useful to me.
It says 10.31
